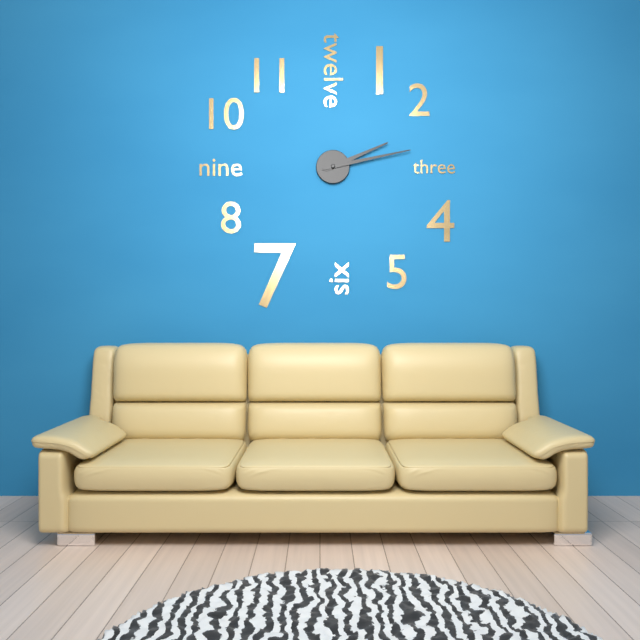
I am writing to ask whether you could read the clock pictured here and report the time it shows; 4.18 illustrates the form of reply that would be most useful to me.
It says 2.13
